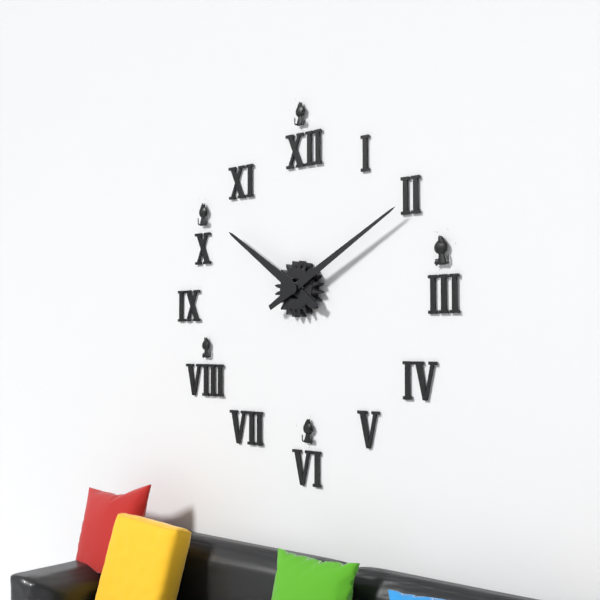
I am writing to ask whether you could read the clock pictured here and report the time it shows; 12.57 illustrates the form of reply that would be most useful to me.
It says 10.10
